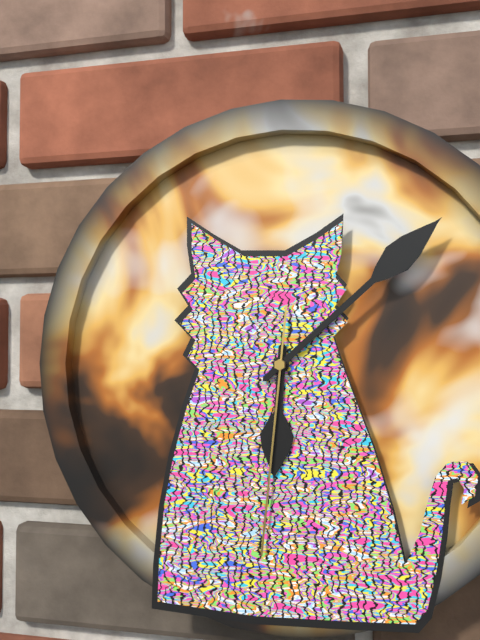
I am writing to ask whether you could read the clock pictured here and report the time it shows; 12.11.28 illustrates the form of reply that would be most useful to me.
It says 6.08.31
